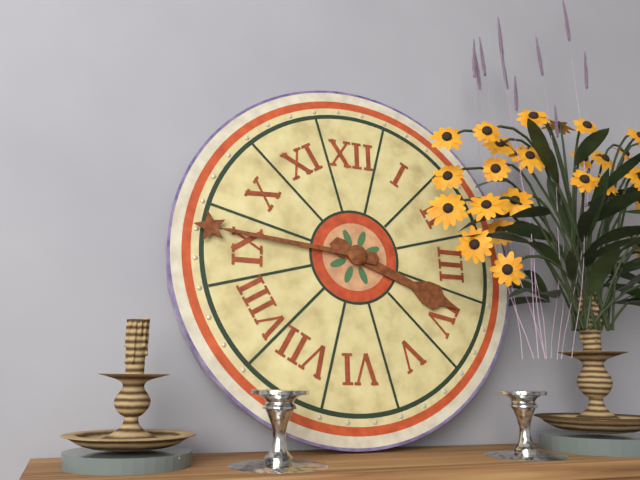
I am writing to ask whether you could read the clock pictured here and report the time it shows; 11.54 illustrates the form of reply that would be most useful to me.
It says 3.46
